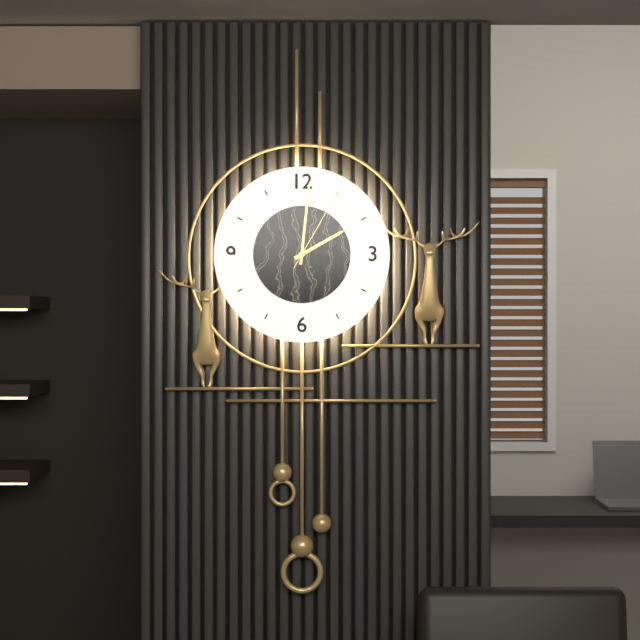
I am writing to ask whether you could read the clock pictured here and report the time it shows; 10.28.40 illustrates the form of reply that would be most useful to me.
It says 2.01.05
